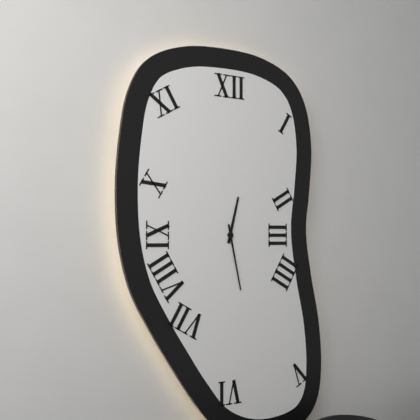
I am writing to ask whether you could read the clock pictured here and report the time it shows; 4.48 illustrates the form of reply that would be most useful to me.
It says 12.28
